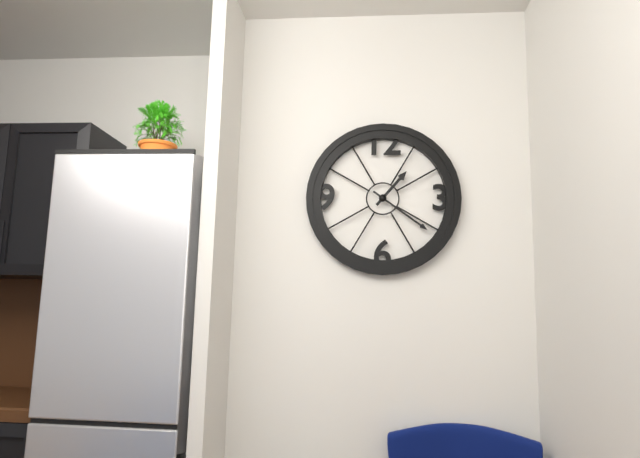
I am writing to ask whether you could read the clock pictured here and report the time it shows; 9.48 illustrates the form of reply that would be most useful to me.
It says 1.21
